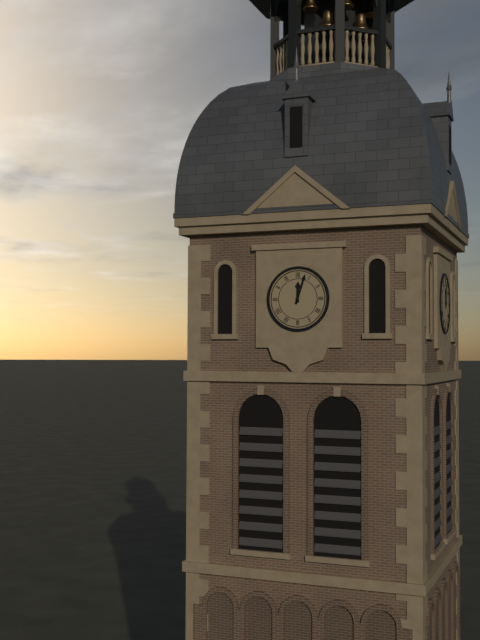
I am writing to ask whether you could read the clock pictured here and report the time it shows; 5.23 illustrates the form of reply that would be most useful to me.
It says 12.03
